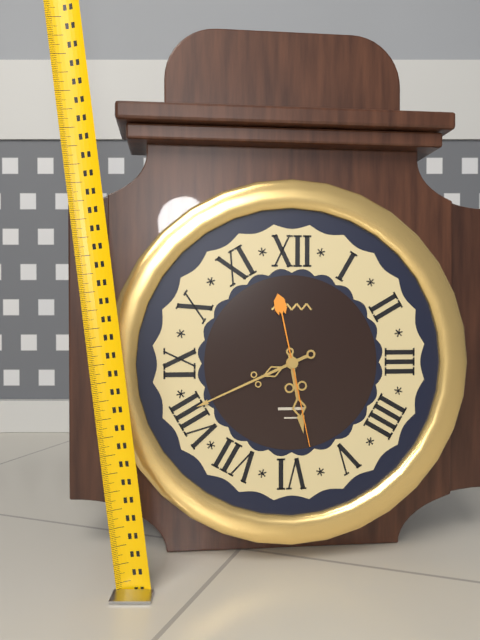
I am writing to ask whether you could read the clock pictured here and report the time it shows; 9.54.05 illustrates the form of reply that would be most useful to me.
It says 5.41.28
